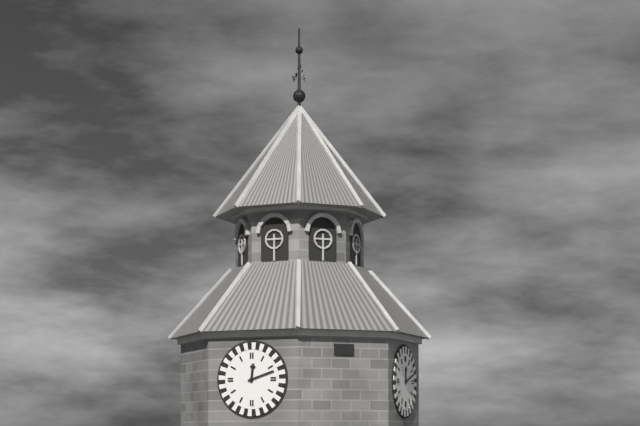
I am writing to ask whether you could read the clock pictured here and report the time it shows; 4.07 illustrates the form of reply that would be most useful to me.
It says 12.12
